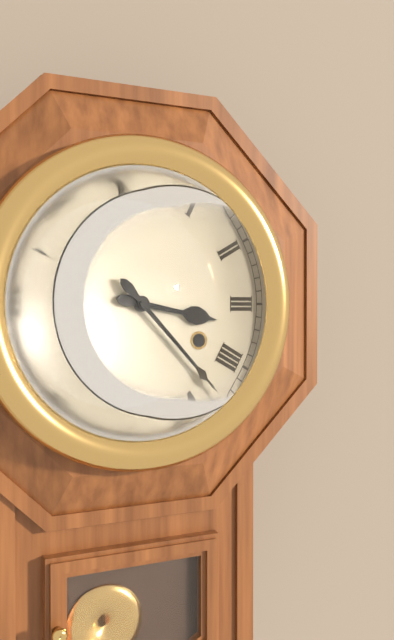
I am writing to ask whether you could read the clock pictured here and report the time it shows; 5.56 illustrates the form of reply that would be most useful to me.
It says 3.23
